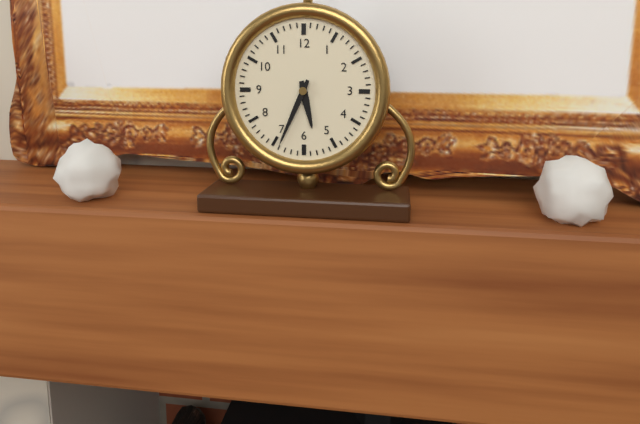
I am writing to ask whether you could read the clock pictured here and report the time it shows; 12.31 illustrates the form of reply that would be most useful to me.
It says 5.34
